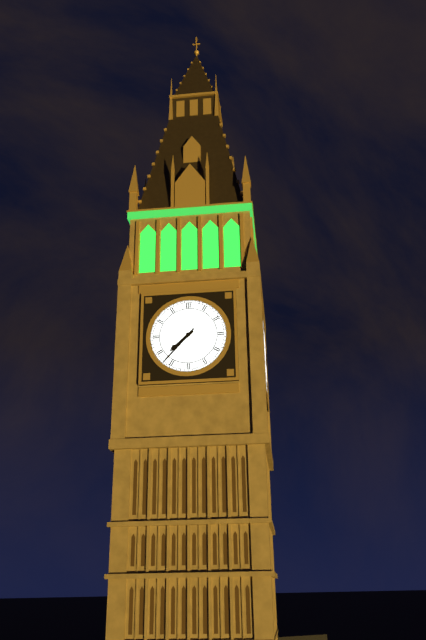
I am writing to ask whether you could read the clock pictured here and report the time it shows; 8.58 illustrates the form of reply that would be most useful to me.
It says 7.37
